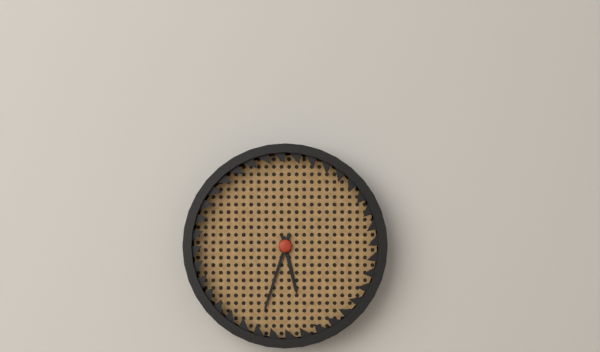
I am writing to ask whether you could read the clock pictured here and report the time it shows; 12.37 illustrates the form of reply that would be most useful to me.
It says 5.33
